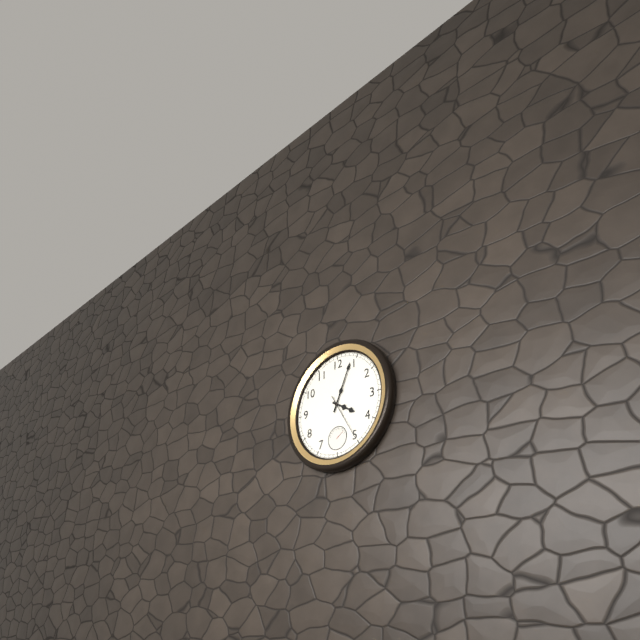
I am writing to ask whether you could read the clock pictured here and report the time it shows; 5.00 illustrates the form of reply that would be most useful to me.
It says 4.04
